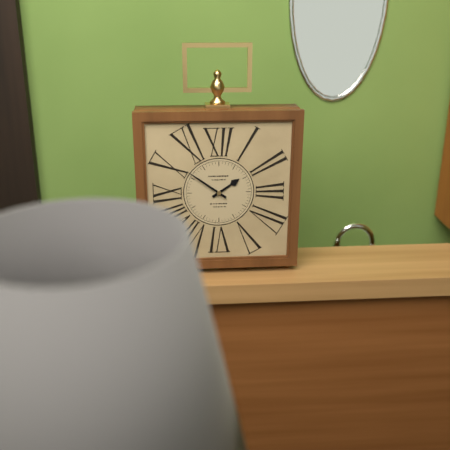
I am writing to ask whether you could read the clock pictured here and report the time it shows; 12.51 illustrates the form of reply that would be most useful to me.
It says 1.51
